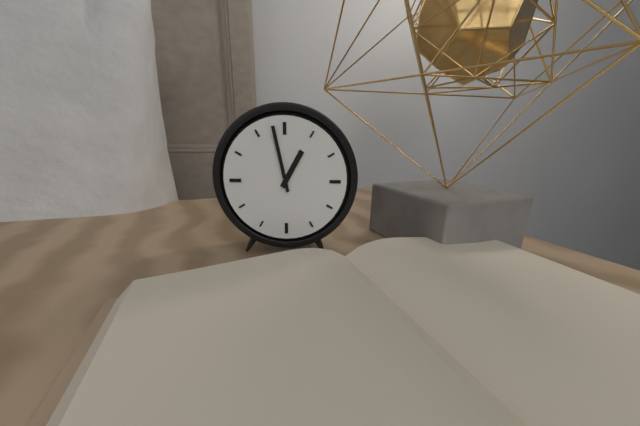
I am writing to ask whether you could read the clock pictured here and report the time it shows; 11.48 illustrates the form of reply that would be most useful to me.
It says 12.58
